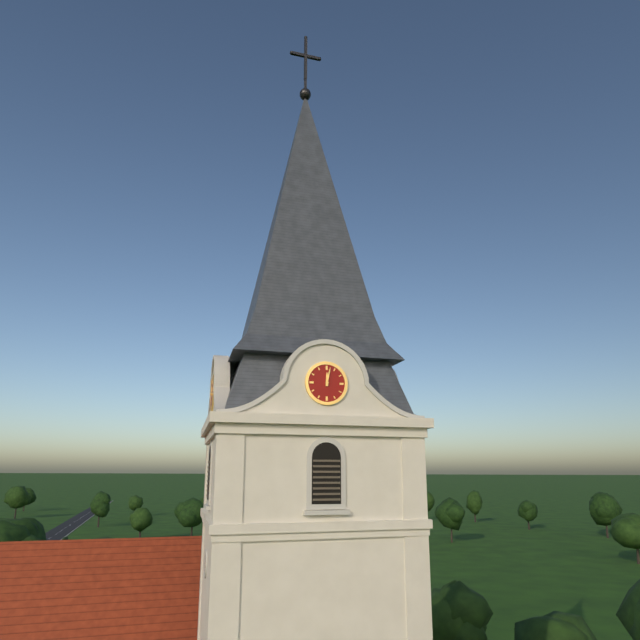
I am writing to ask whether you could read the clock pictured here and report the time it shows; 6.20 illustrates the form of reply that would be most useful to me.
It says 12.02
